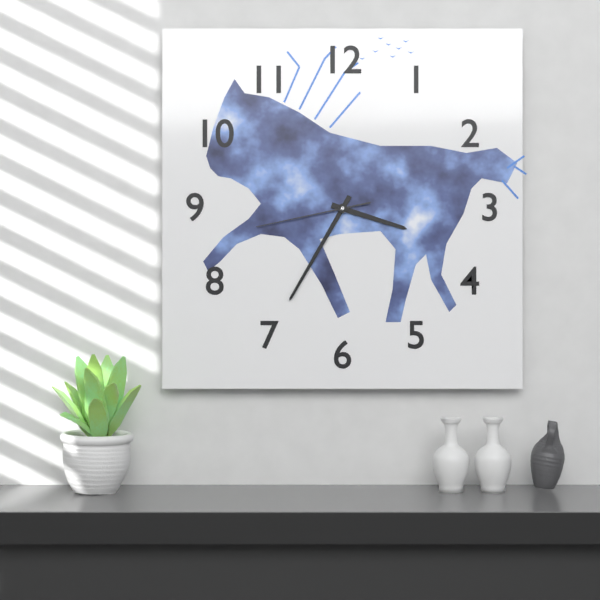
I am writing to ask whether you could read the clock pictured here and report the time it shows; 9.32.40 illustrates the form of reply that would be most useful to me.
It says 3.35.43
